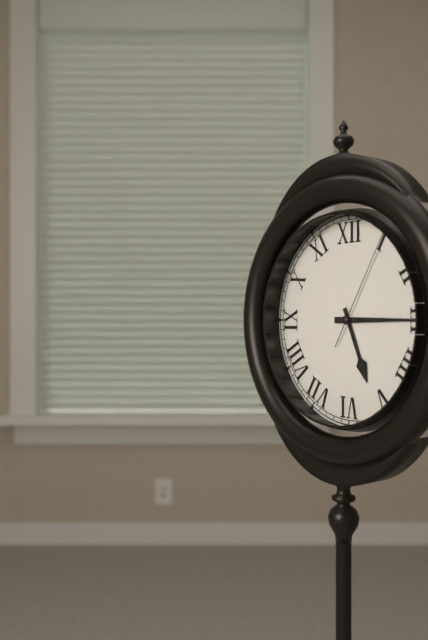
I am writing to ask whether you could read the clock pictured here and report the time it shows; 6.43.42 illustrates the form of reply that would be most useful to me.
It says 5.15.05
